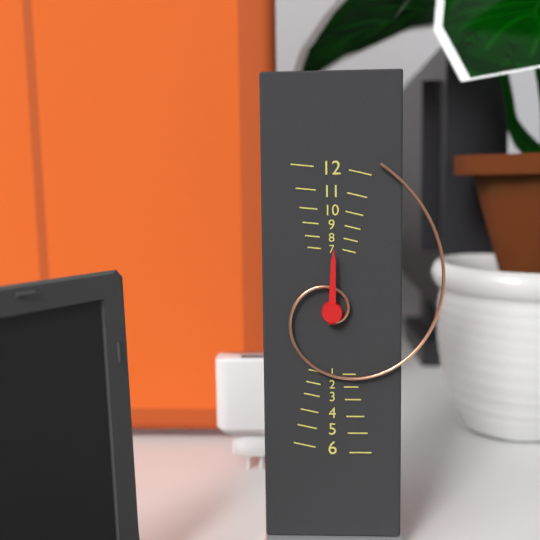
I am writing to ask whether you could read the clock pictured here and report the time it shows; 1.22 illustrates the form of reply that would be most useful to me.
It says 12.03
